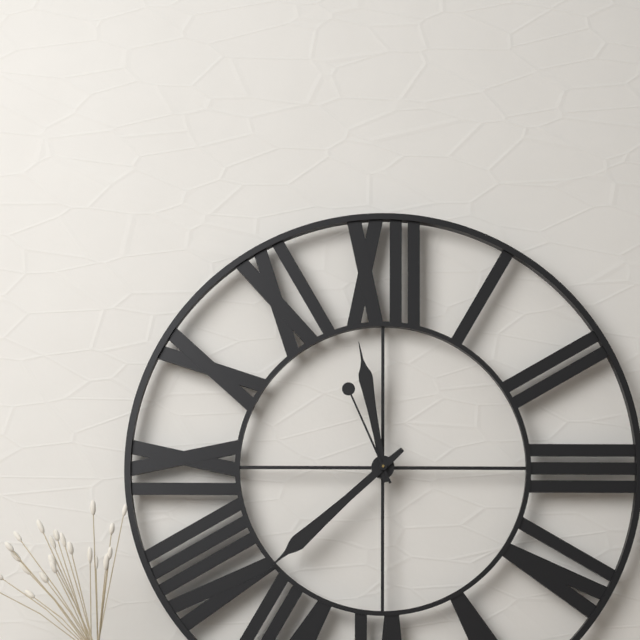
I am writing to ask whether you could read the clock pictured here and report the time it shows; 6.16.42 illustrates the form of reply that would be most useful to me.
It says 11.38.56
